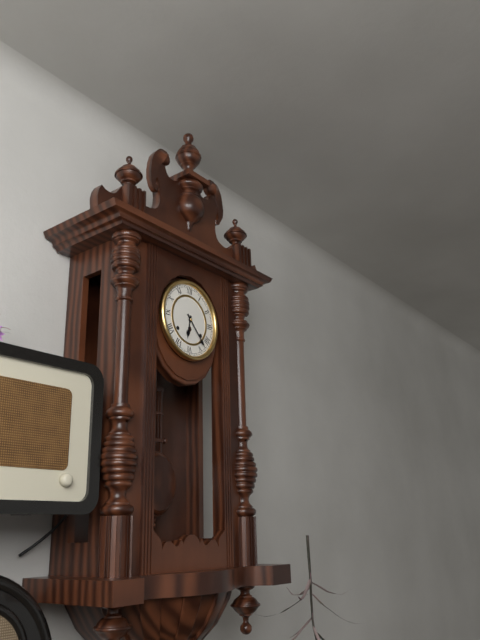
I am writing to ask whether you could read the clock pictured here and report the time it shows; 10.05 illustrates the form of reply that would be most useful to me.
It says 6.23
